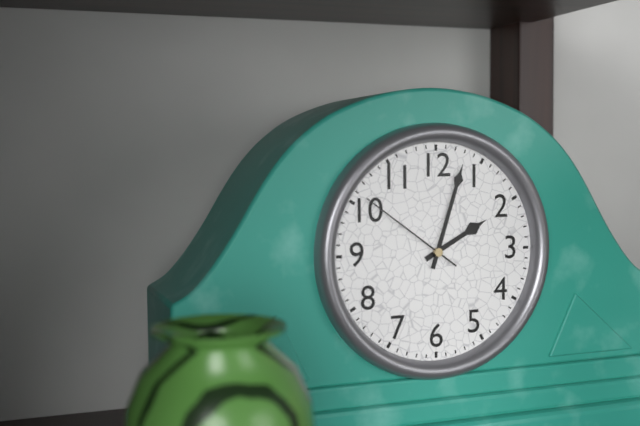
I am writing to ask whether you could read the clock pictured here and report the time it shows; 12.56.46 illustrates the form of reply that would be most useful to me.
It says 2.03.51
